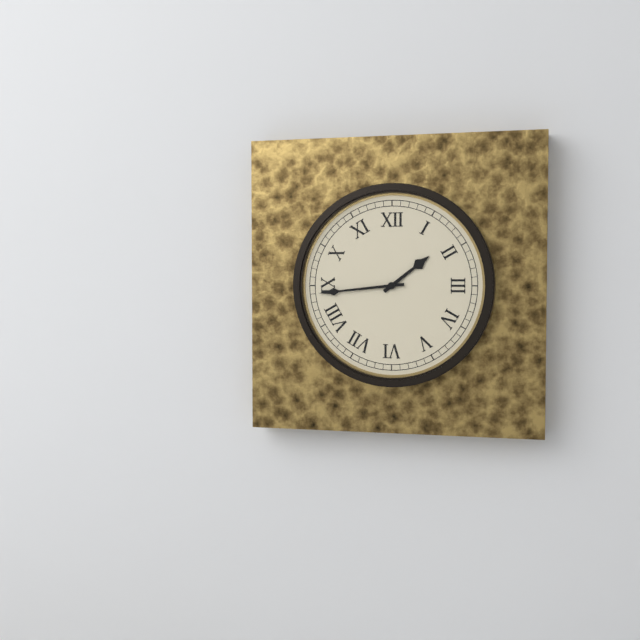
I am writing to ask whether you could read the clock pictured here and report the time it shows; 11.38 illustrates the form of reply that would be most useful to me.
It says 1.44
